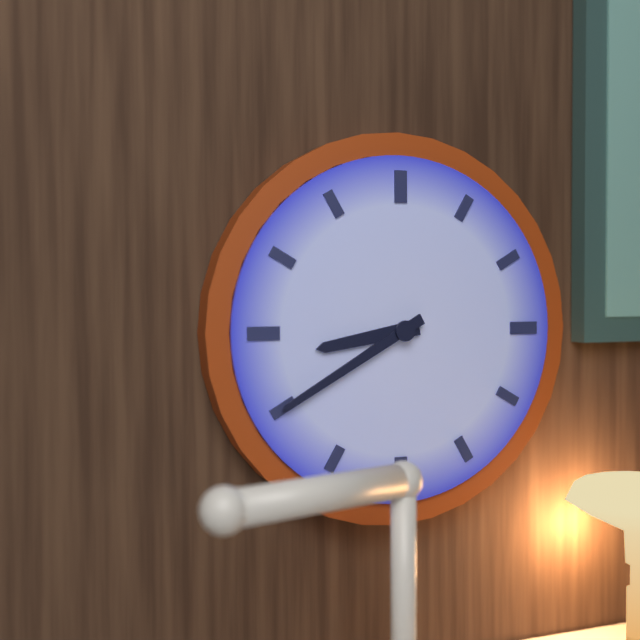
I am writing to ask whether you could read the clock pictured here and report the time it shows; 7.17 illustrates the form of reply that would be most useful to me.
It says 8.40
